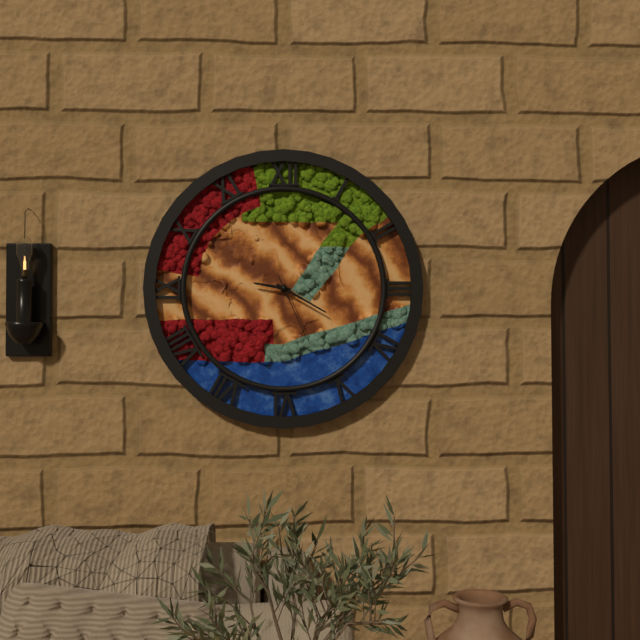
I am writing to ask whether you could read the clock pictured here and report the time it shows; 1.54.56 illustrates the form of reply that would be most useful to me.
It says 9.20.26
